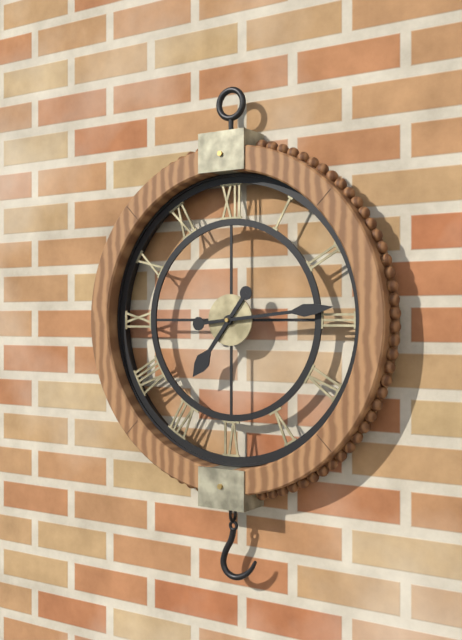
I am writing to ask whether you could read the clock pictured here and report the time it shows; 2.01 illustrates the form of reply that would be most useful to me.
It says 7.14
